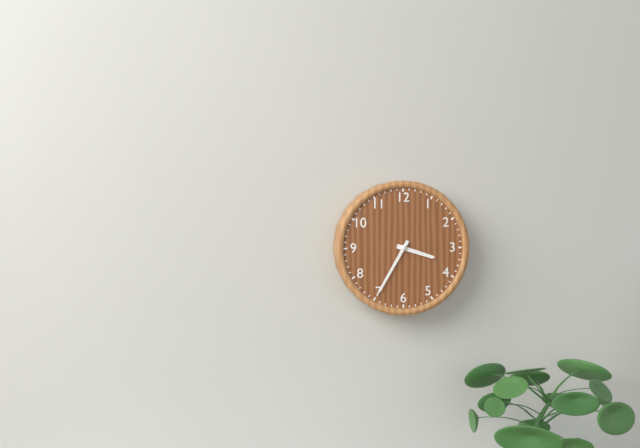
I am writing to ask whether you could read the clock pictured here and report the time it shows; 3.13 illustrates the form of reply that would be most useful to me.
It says 3.35
